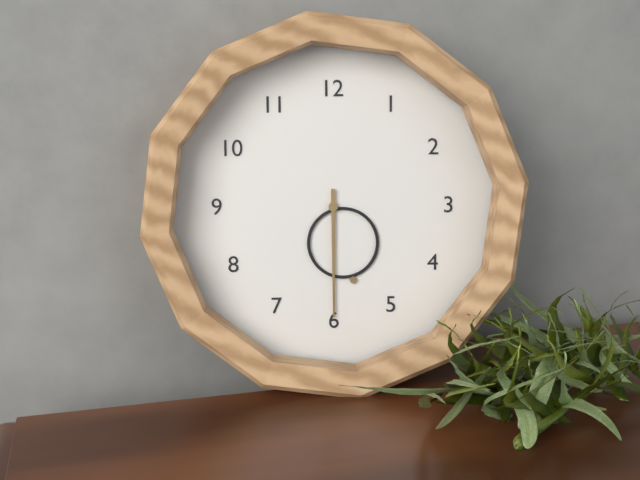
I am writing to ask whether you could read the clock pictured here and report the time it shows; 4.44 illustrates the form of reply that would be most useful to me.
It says 5.30
